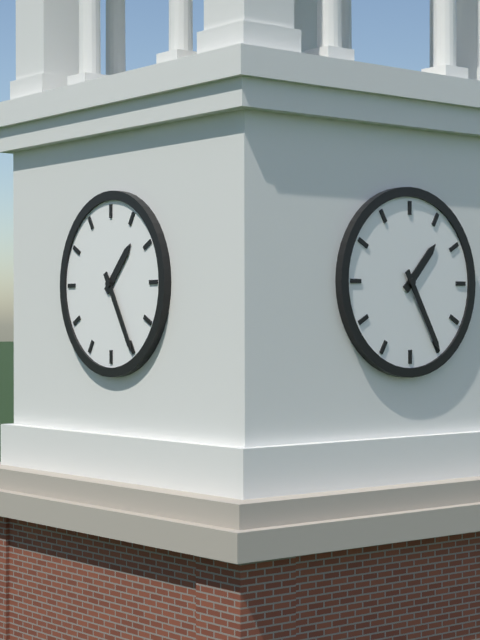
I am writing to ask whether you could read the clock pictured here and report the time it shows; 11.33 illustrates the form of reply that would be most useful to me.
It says 1.25
